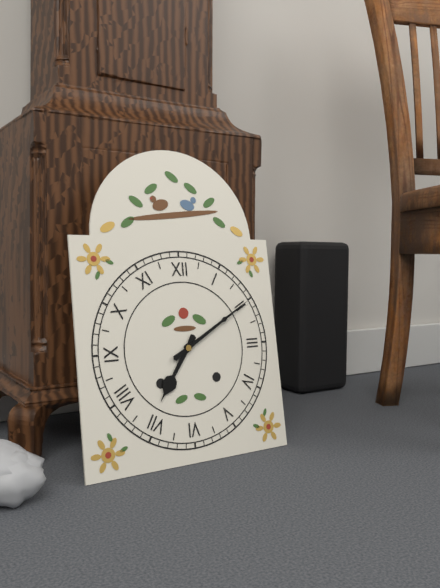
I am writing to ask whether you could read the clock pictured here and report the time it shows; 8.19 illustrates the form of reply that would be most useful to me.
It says 7.10
